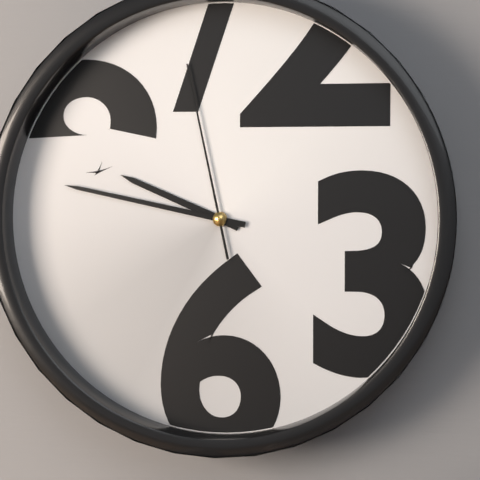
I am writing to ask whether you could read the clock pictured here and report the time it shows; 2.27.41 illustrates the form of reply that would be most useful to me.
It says 9.47.58
